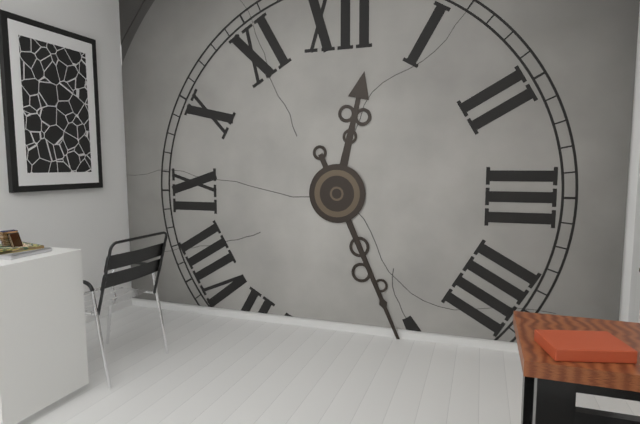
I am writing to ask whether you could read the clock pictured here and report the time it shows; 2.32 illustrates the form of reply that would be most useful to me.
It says 12.26
